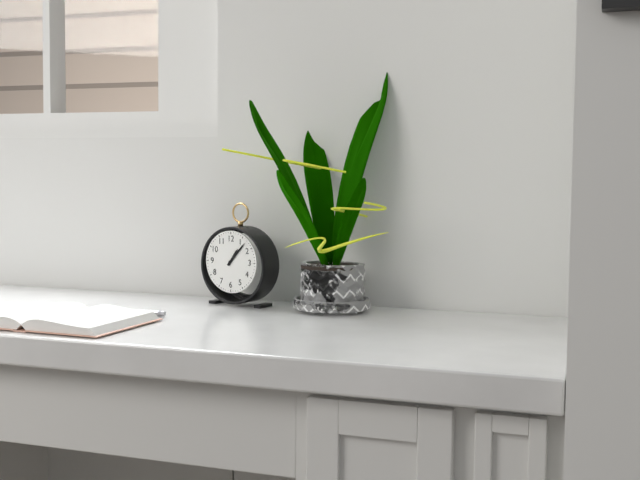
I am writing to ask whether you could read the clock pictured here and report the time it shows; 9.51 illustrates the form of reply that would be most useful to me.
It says 1.07
